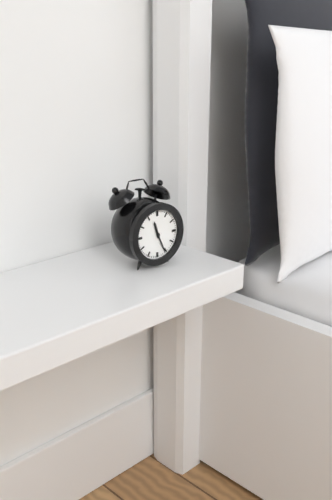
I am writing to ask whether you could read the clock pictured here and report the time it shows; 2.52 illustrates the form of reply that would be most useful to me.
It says 11.26
